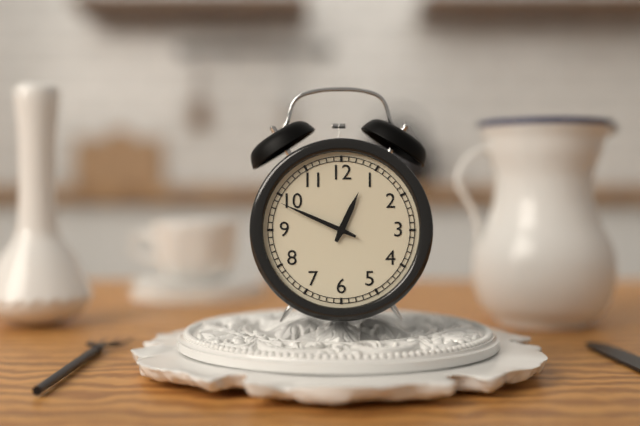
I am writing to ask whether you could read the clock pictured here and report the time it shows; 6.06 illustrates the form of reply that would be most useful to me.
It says 12.49
